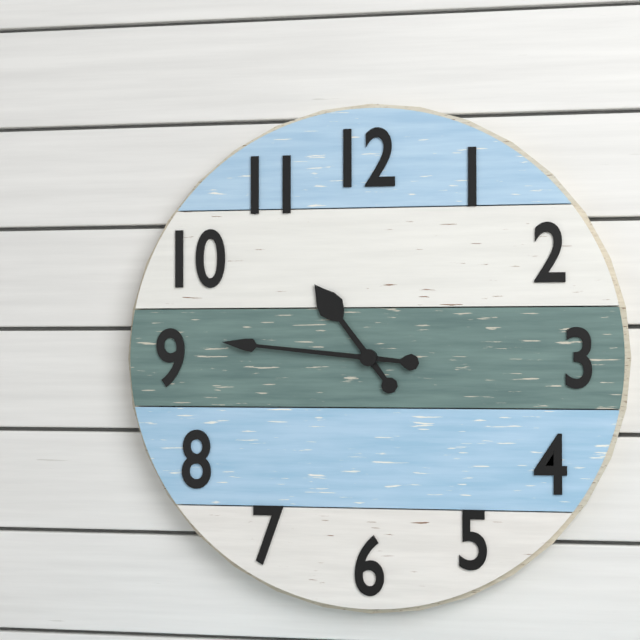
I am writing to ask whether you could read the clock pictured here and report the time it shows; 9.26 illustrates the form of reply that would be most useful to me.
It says 10.46
